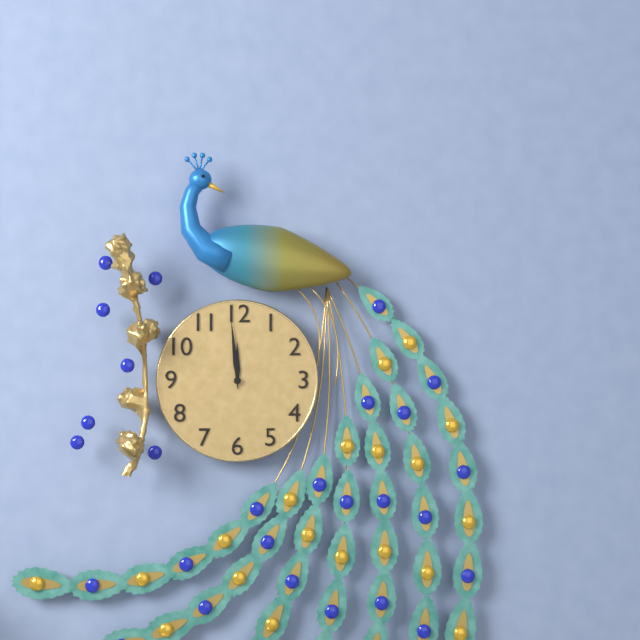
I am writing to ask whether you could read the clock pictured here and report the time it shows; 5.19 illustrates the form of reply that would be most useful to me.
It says 11.59
